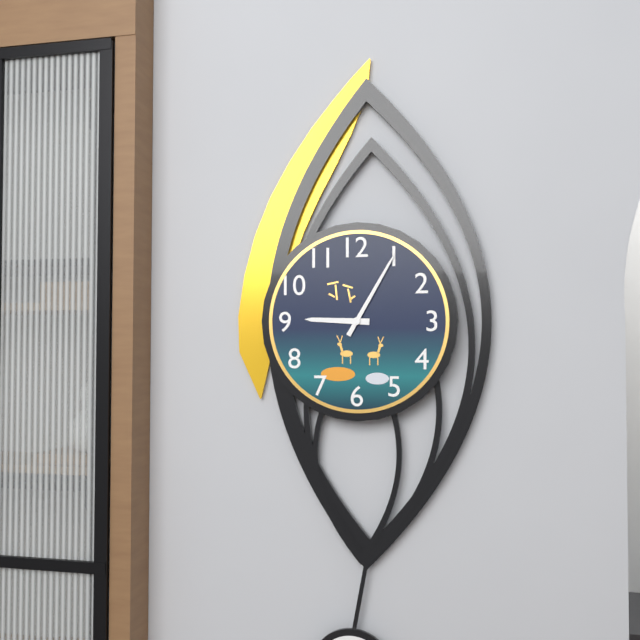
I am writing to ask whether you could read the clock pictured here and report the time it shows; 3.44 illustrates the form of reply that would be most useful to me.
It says 9.05
